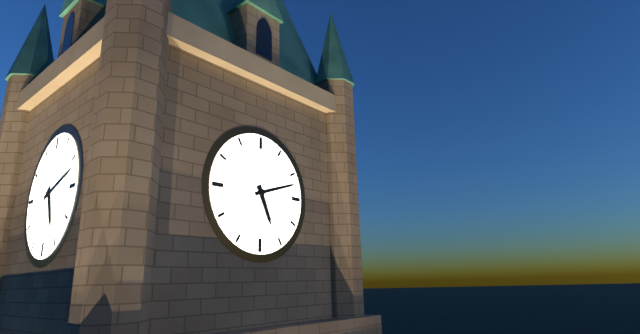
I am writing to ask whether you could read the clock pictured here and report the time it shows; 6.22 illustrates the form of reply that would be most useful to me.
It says 5.12
